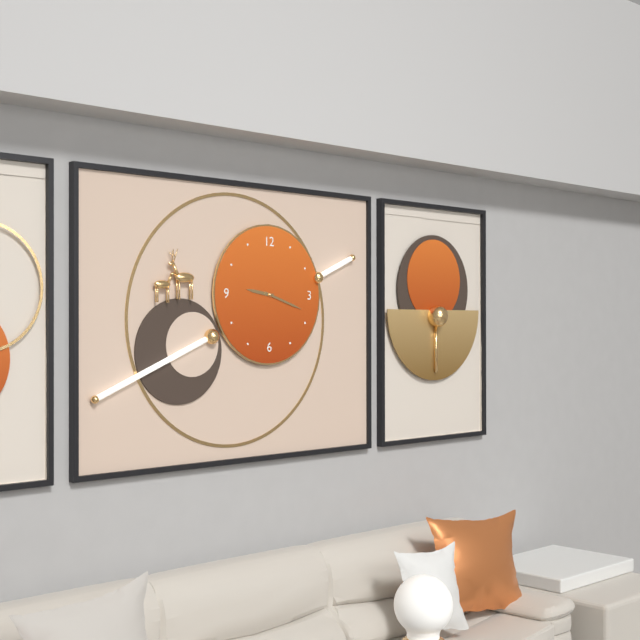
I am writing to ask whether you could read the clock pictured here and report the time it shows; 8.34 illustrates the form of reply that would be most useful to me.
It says 9.18
